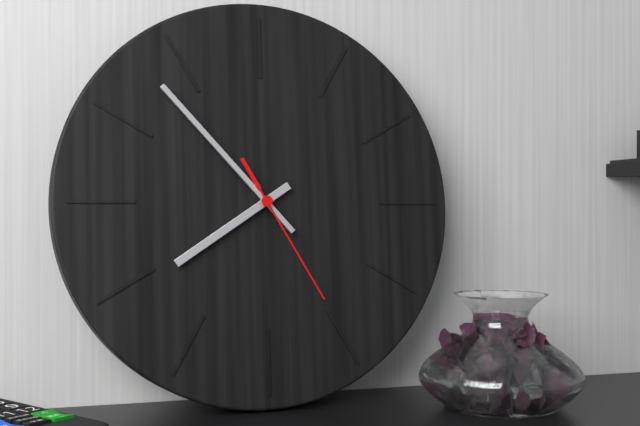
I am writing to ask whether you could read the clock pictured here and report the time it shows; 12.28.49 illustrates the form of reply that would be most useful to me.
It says 7.53.25
